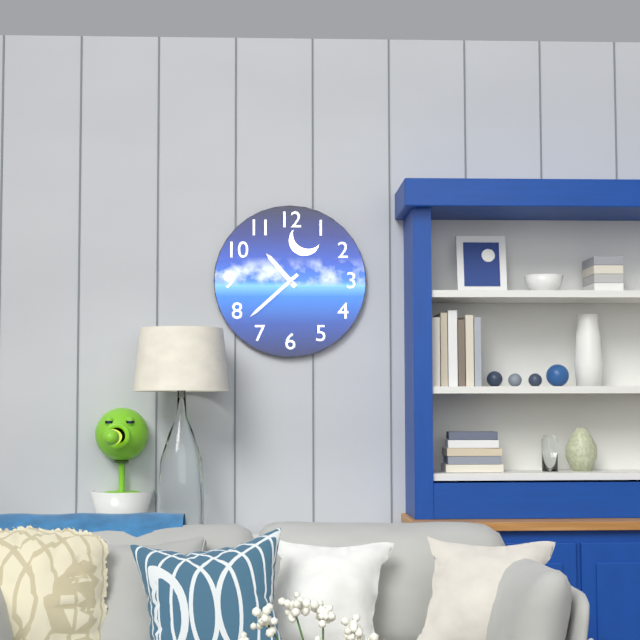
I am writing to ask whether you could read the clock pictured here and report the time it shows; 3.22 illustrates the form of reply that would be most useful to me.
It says 10.38
